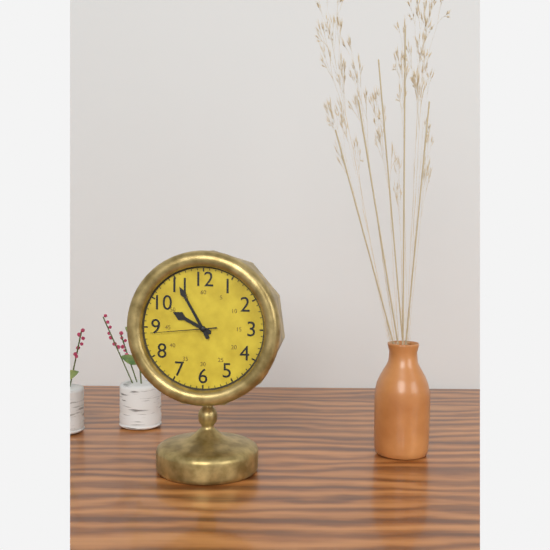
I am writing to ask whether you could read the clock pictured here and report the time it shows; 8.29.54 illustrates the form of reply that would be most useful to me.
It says 9.55.44
